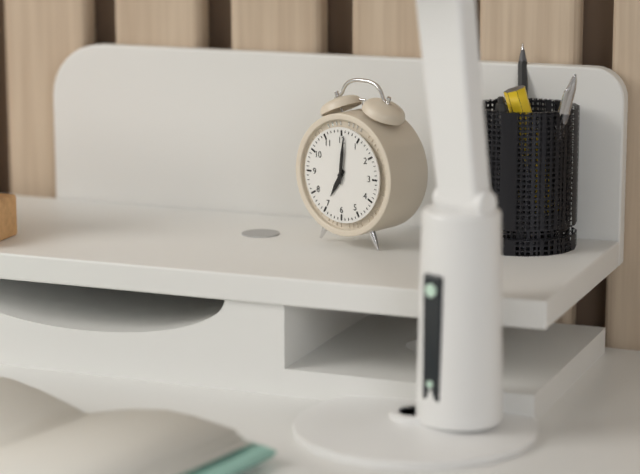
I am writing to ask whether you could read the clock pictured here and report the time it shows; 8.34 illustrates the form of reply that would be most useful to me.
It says 7.01
